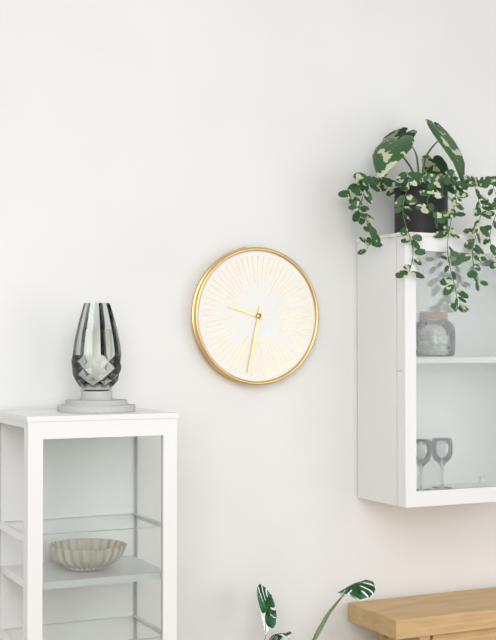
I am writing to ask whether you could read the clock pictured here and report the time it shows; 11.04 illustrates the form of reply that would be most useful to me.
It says 9.32
